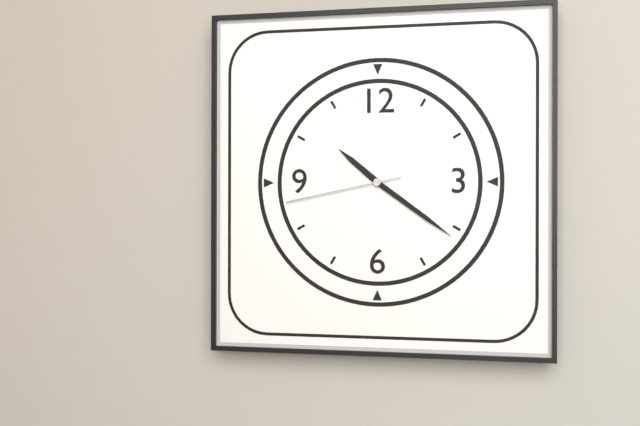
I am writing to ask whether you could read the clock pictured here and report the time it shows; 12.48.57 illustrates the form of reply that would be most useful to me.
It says 10.21.43
